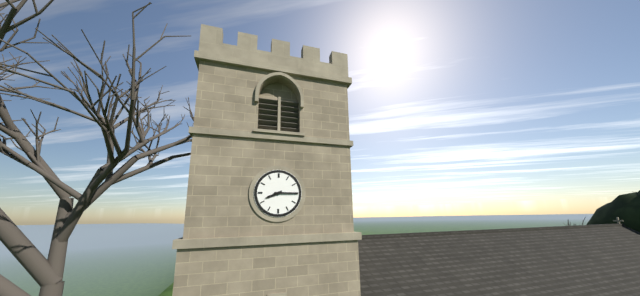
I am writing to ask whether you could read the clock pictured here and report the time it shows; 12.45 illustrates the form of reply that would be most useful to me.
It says 8.15
